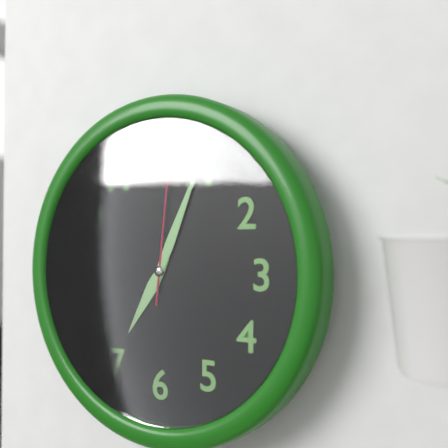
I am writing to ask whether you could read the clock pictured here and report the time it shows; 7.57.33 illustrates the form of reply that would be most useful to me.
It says 7.04.01
